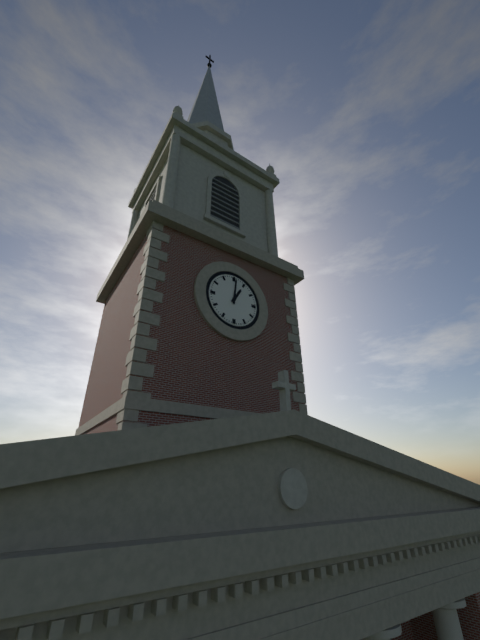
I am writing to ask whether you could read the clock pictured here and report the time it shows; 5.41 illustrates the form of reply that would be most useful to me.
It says 1.01
